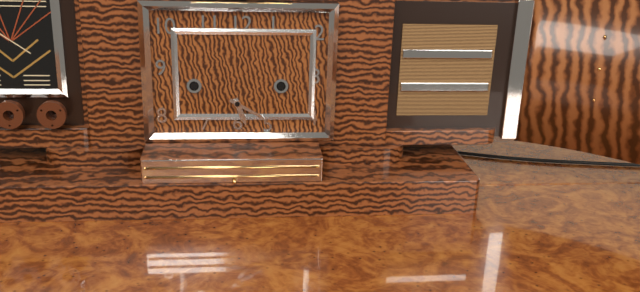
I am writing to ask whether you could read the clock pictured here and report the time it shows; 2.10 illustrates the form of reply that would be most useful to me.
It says 5.20
